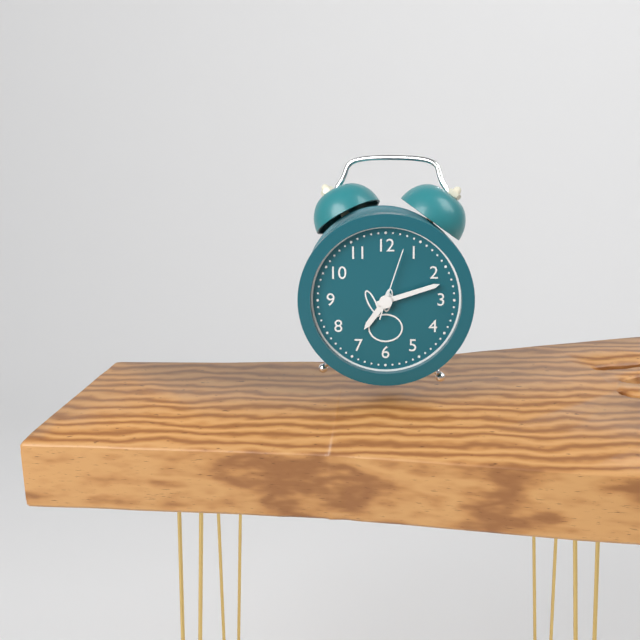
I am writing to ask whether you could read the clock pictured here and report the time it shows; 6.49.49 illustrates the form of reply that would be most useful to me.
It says 7.12.03
